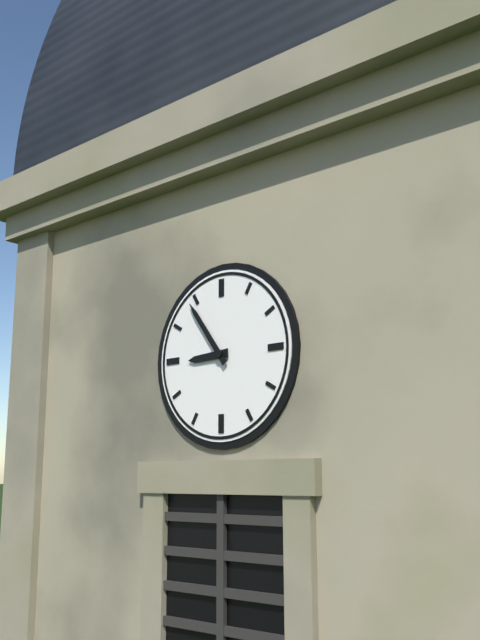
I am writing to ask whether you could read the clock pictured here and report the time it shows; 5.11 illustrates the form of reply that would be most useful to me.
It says 8.54
